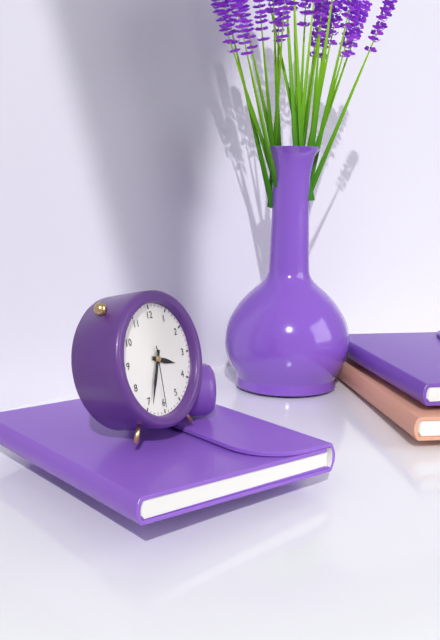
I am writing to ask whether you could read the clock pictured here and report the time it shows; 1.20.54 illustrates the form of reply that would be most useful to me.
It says 3.34.30
